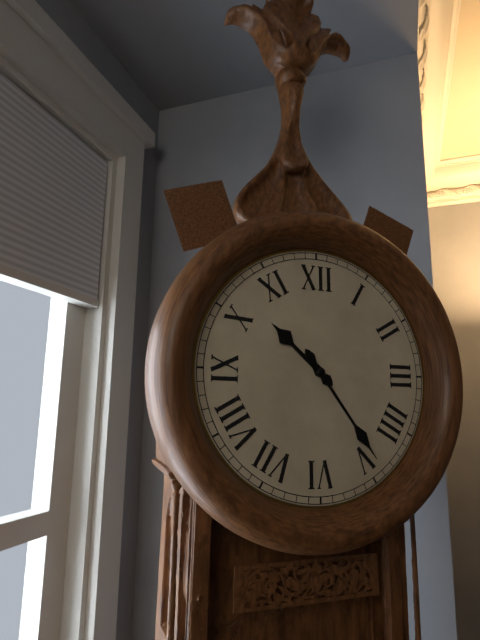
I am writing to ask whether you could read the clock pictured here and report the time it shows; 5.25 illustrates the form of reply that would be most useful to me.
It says 10.24
